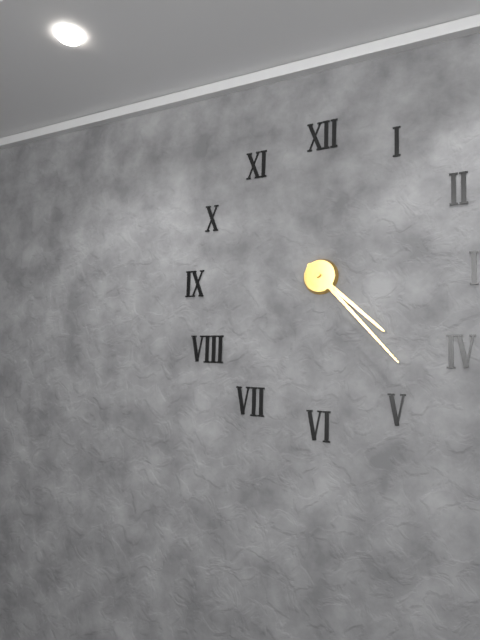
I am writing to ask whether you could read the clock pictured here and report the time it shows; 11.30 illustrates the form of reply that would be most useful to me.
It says 4.23
